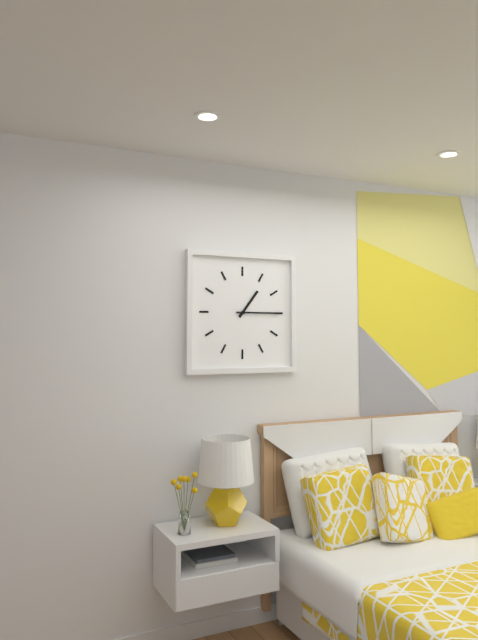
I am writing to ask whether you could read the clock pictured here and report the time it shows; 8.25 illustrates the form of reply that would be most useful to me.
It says 1.15
